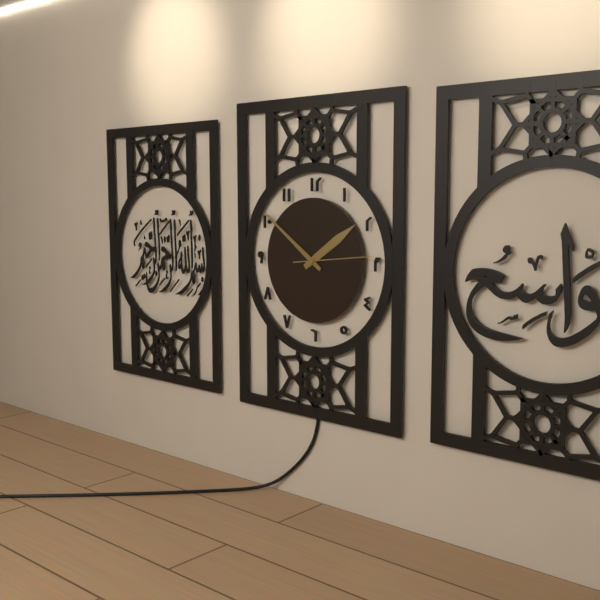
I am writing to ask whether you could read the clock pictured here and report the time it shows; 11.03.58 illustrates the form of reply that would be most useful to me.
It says 1.51.14
